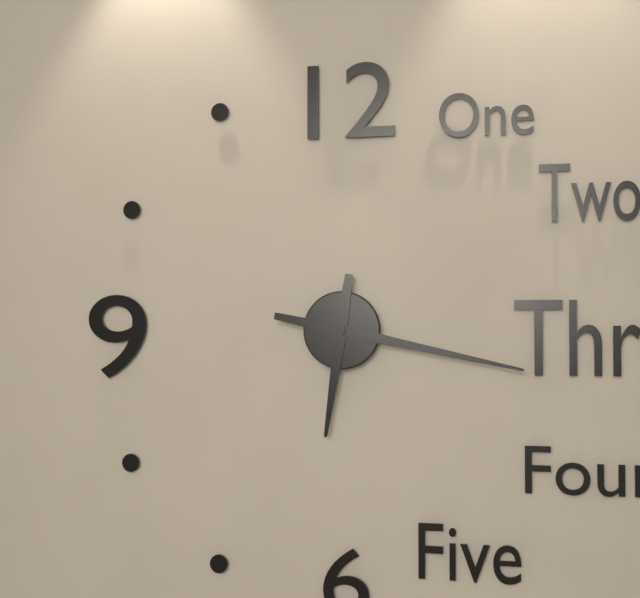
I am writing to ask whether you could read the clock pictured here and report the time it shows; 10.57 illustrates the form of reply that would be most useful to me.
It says 6.17
